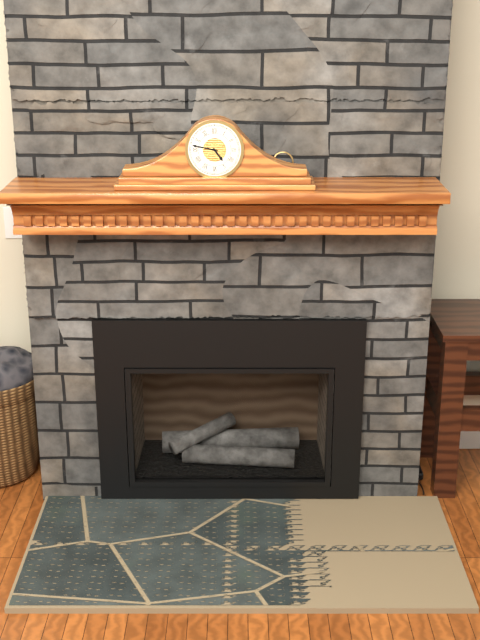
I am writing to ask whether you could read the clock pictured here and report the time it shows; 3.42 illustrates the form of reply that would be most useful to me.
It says 4.47
